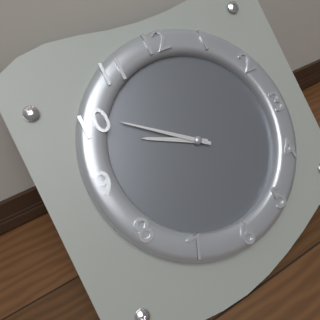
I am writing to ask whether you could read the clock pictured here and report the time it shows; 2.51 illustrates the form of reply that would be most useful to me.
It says 9.51
